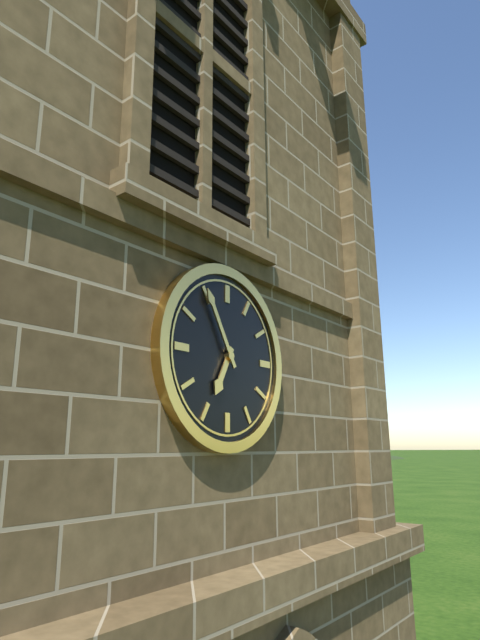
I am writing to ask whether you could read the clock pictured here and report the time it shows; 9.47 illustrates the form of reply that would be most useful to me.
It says 6.55
